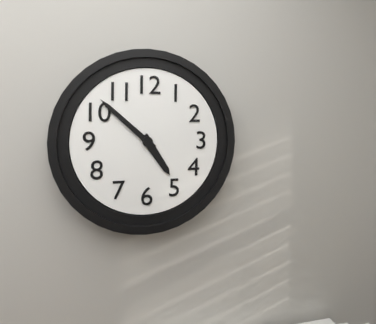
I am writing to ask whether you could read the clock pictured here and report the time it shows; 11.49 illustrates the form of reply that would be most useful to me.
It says 4.52
